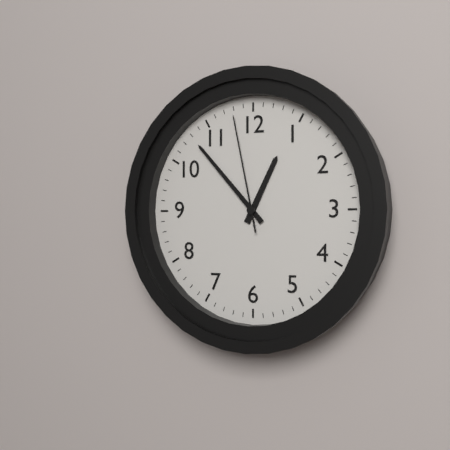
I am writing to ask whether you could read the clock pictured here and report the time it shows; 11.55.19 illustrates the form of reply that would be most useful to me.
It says 12.53.58
